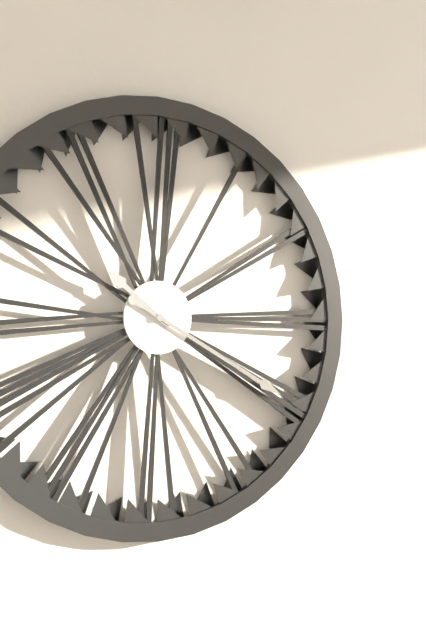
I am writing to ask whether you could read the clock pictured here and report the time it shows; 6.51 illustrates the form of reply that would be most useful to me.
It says 10.20
